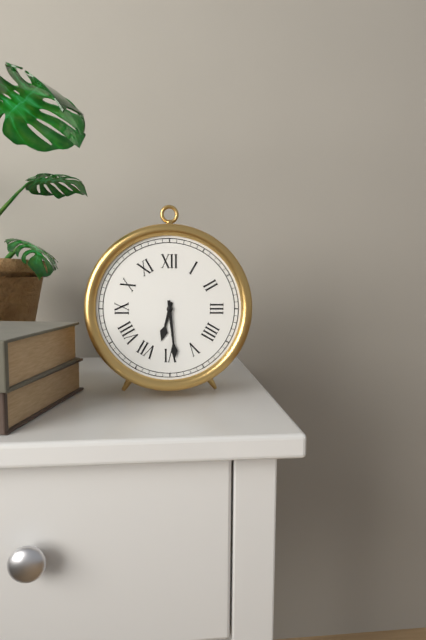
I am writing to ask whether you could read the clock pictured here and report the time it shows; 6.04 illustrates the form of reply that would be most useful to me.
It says 6.29
